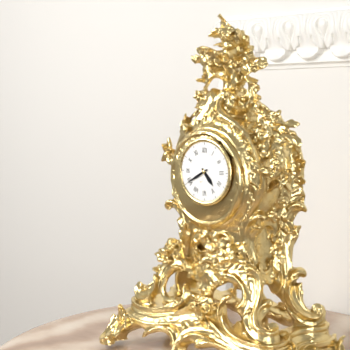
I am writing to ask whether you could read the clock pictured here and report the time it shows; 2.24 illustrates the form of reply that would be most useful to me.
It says 4.40
